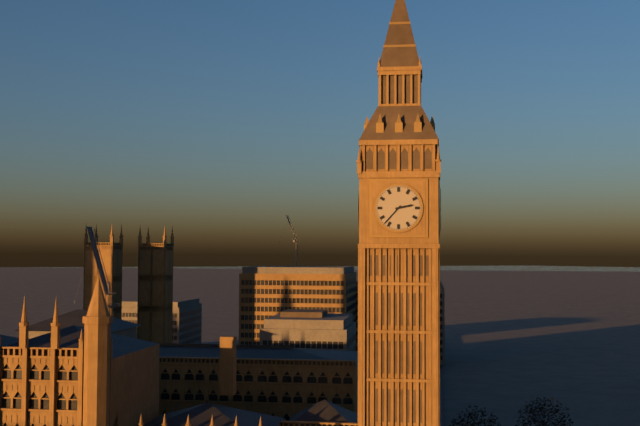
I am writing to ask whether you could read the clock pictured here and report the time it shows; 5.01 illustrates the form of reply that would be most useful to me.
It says 2.37
